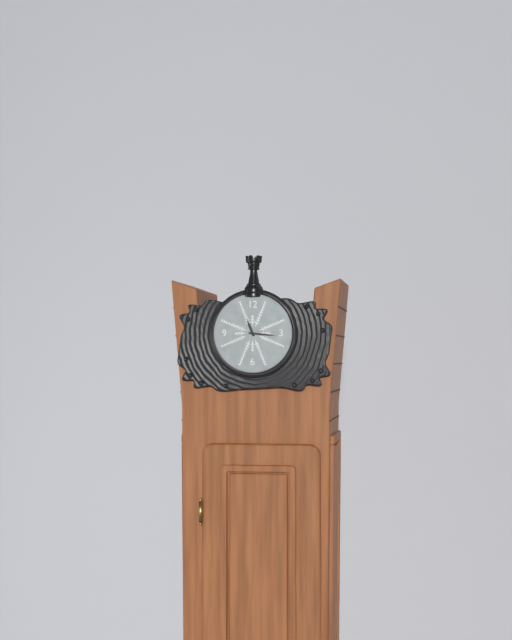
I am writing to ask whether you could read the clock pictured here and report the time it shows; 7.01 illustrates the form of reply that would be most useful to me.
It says 11.16
